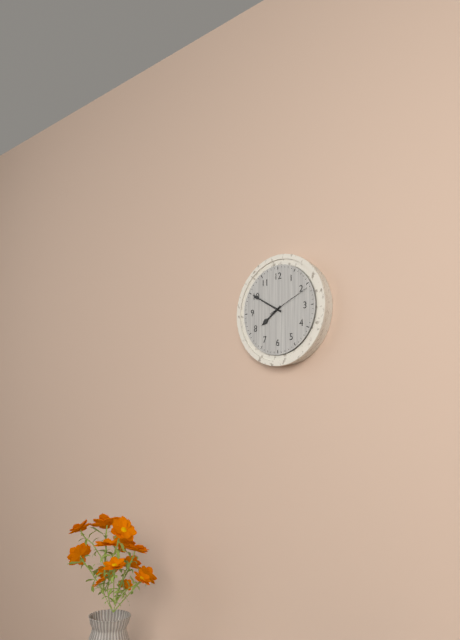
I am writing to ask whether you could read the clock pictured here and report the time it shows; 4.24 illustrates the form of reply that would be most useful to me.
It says 7.50
